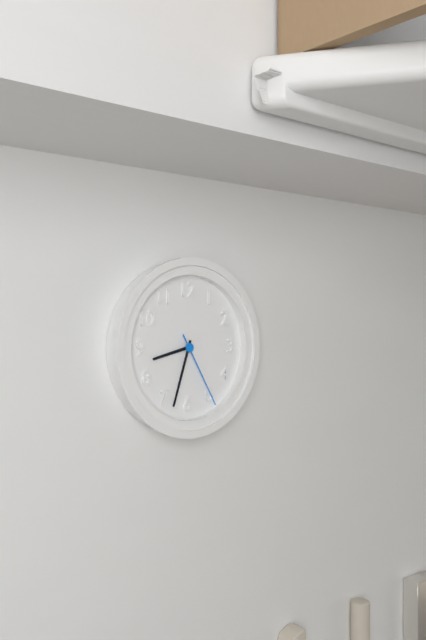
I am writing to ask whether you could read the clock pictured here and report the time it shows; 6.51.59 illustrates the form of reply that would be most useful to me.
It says 8.33.25
